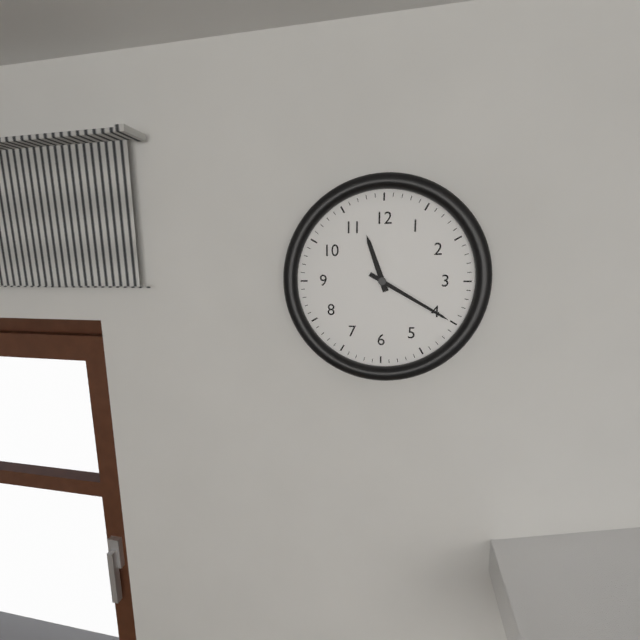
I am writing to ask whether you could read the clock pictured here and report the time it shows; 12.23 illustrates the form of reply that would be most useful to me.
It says 11.20
